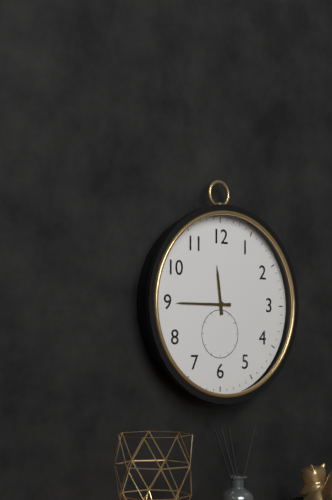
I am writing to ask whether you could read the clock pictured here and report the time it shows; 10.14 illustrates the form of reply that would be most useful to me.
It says 11.45
